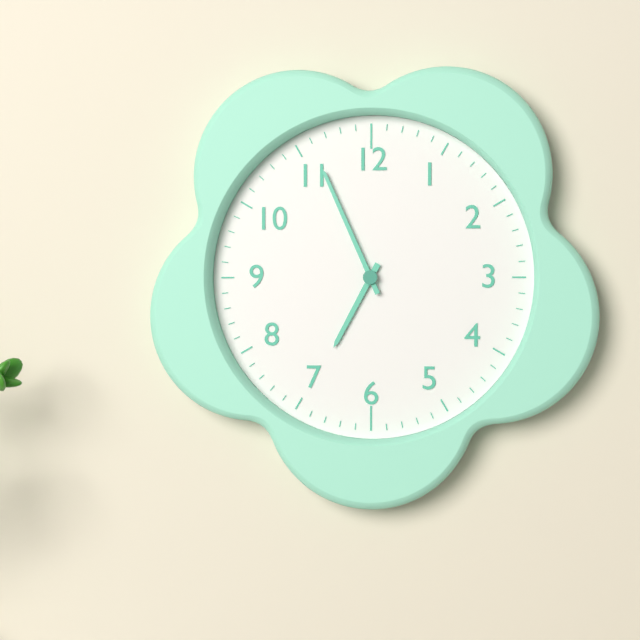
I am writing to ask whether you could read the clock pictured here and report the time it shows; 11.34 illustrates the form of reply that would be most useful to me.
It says 6.56
